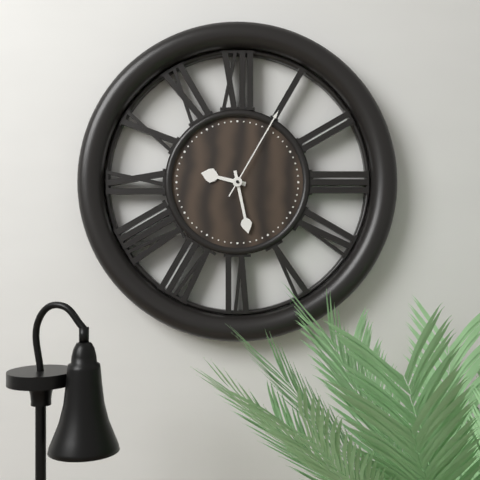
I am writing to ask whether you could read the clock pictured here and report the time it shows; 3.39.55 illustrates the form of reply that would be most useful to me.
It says 9.28.05
